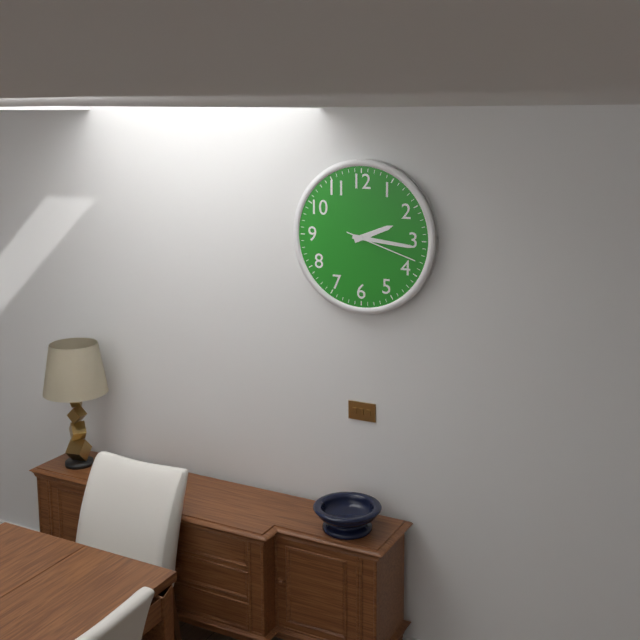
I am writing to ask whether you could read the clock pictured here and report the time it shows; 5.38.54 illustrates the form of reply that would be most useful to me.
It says 2.16.18
